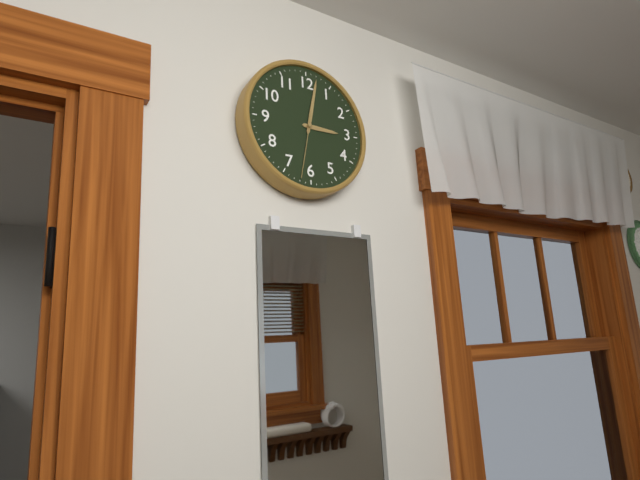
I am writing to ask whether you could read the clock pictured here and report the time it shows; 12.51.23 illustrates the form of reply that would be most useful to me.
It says 3.02.32
